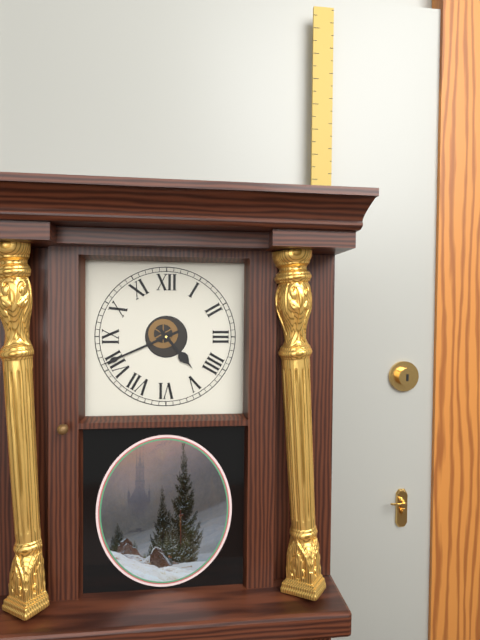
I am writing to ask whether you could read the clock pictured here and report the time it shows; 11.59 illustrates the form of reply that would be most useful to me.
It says 4.41
